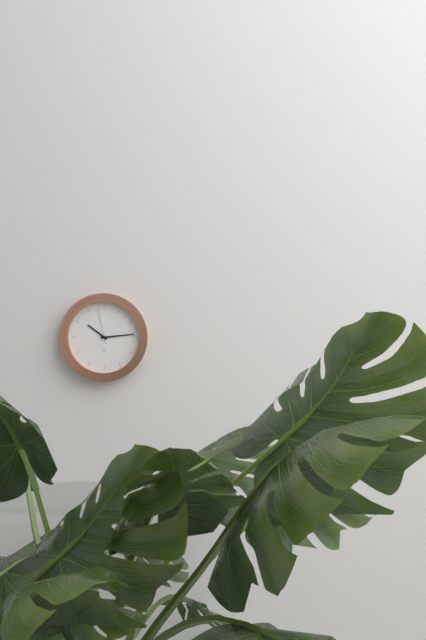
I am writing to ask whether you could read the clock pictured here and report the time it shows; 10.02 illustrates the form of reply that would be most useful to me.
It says 10.14
